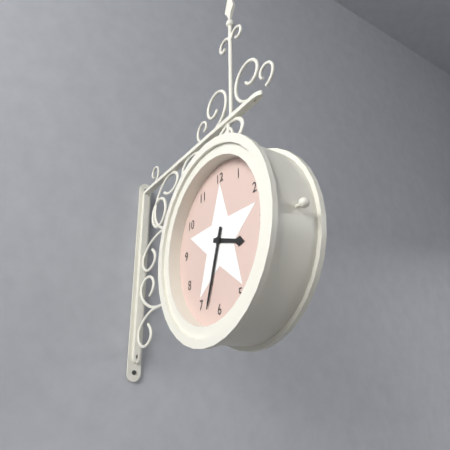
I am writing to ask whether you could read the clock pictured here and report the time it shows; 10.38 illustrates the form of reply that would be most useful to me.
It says 3.33
